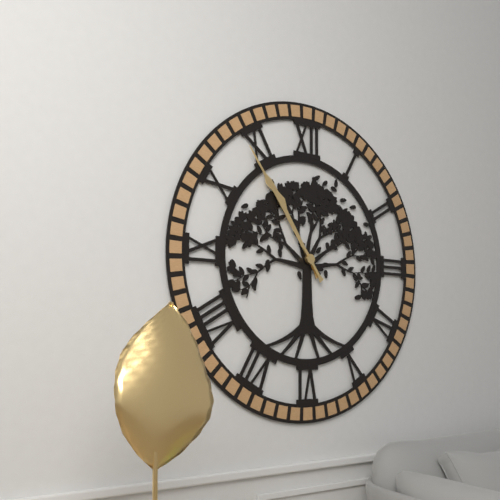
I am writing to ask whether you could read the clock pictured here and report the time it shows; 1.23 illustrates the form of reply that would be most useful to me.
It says 10.54
